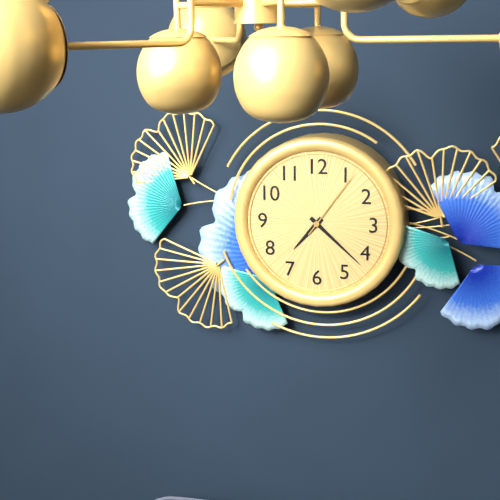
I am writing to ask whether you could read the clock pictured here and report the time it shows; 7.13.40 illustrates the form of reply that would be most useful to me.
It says 7.22.06
